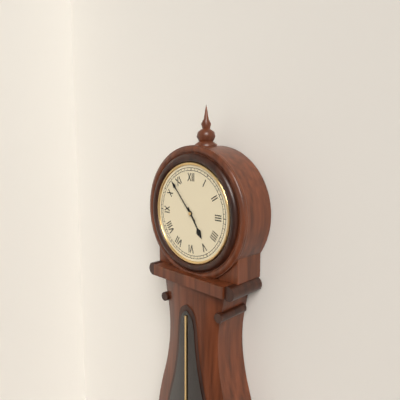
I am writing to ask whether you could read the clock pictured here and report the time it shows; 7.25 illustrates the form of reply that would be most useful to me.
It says 4.53
